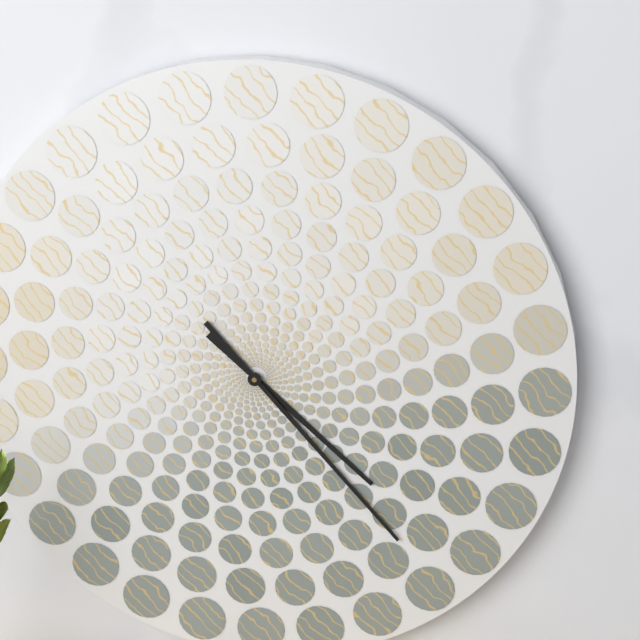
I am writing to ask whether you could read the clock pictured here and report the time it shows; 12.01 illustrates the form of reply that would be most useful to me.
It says 4.23
